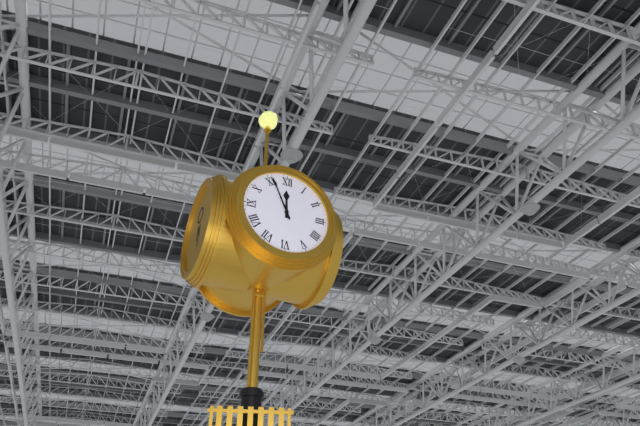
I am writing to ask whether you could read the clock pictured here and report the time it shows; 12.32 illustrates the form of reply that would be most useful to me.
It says 11.56
